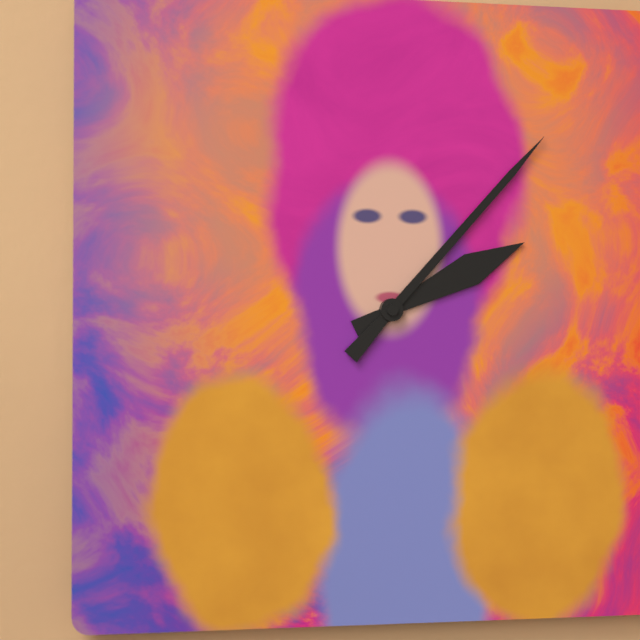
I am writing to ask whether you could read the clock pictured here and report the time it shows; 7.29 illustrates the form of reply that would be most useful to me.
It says 2.07
